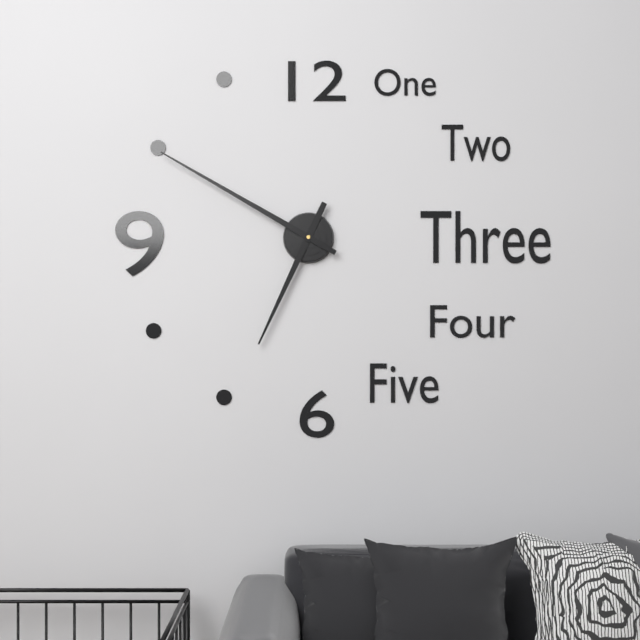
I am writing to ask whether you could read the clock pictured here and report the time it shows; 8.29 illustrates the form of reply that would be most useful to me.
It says 6.50
